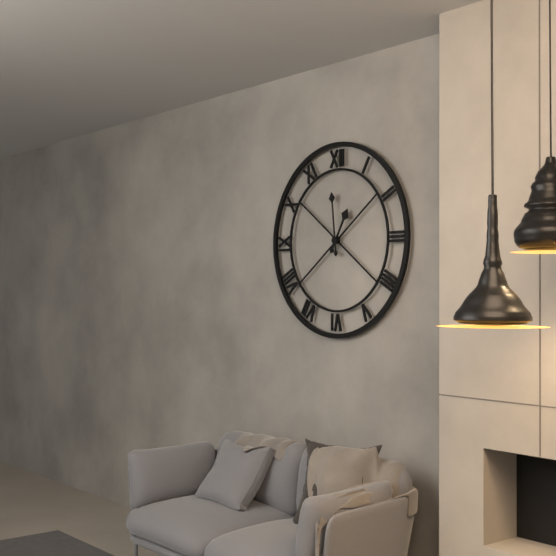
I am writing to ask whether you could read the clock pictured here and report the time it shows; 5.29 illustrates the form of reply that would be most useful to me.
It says 12.59
